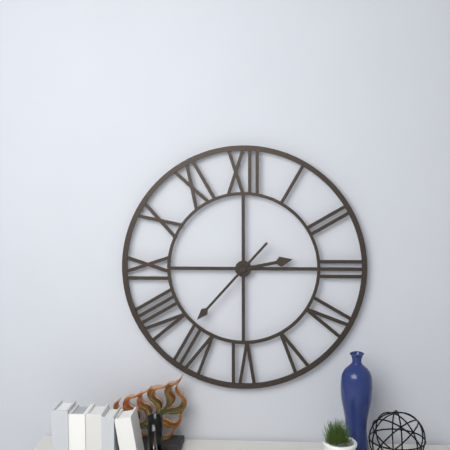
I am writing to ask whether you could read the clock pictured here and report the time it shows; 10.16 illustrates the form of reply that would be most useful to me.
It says 2.37
